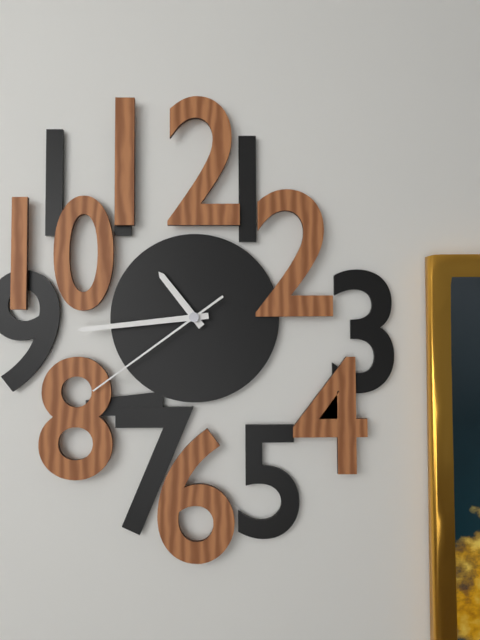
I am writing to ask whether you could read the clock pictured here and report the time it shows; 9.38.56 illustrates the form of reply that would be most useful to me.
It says 10.44.39
